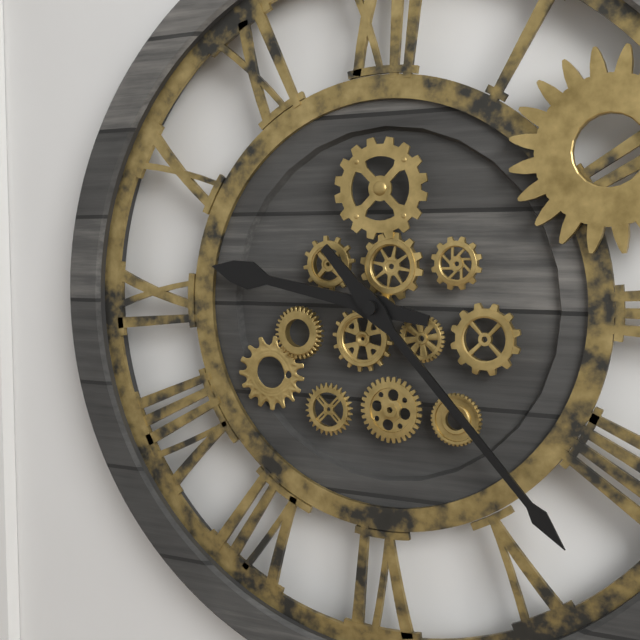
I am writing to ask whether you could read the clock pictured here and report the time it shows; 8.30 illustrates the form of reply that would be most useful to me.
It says 9.23
